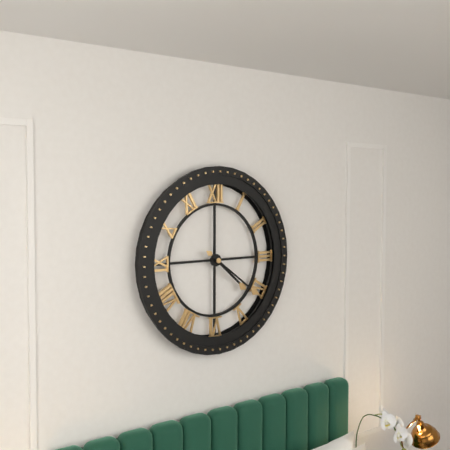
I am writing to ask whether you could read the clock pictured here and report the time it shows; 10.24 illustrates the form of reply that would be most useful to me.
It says 4.21
